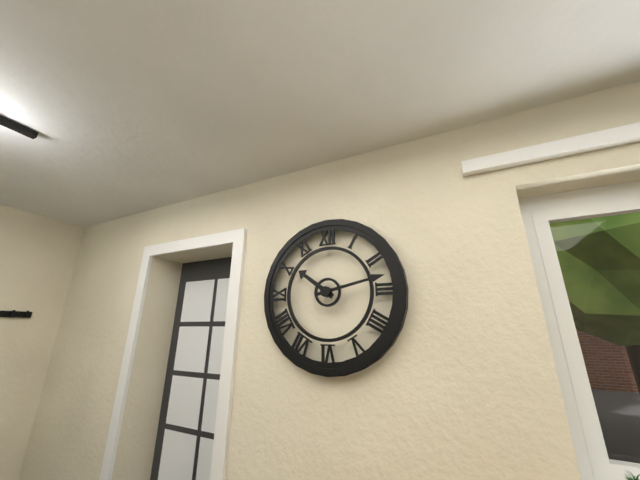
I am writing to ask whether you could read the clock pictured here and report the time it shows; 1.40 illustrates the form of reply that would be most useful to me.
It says 10.13
